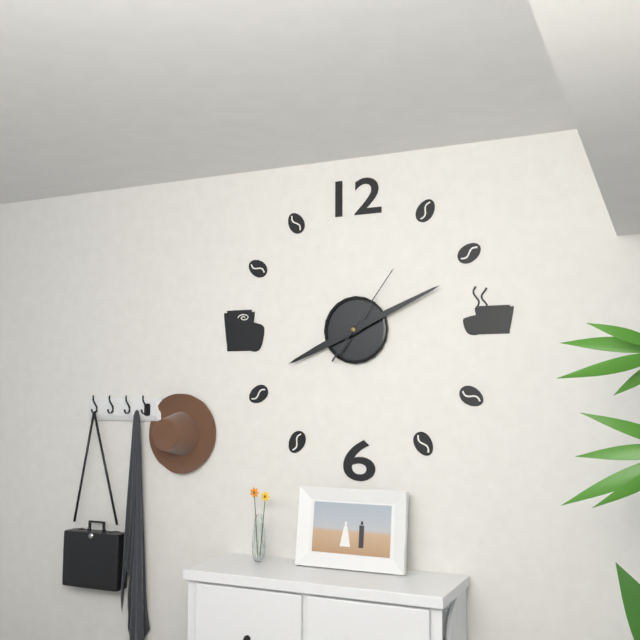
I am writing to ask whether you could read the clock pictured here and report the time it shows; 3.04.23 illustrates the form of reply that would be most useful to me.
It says 8.11.06
